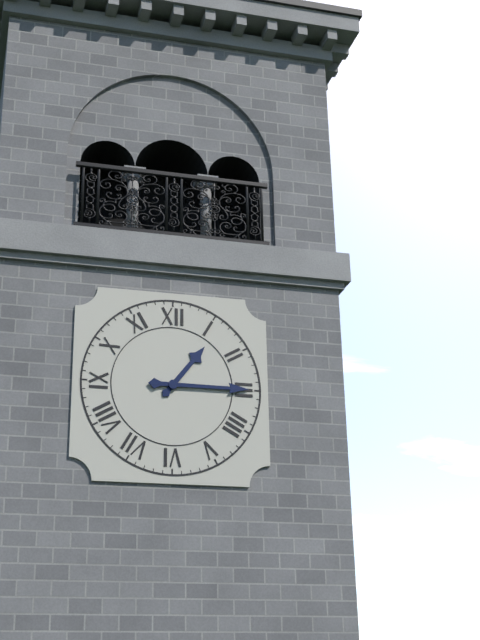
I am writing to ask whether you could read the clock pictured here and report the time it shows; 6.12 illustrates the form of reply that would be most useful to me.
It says 1.15
